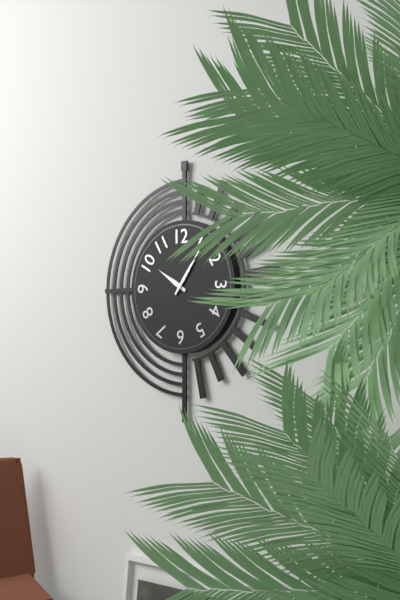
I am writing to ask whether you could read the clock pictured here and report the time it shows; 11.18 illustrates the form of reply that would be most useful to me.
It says 10.06
